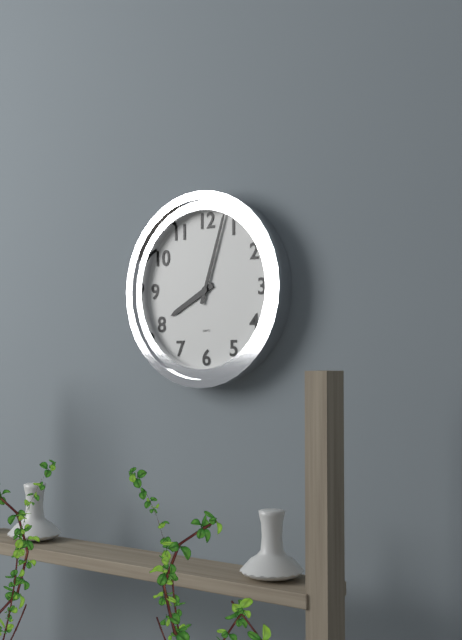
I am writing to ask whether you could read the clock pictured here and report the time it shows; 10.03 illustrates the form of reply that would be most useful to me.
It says 8.03
